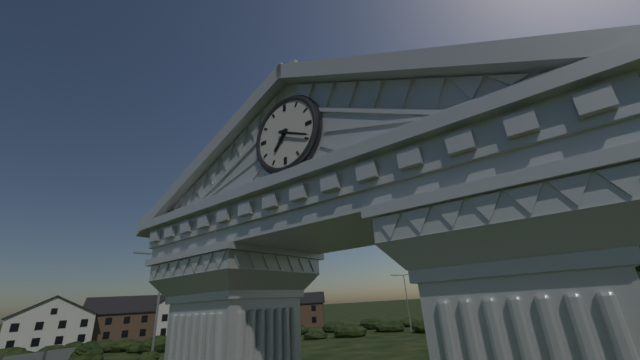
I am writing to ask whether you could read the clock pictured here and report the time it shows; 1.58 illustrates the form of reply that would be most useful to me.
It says 7.19
